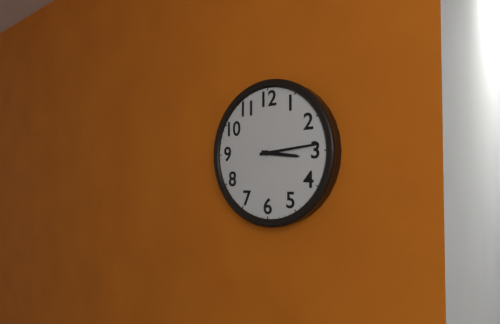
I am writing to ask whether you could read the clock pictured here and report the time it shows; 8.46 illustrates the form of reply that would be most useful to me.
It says 3.14
